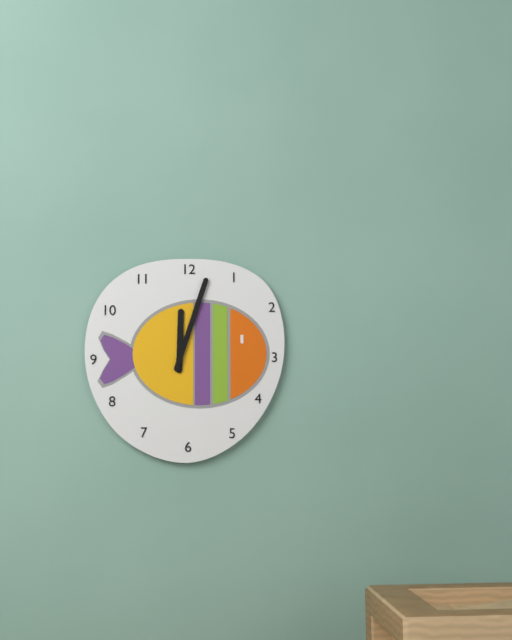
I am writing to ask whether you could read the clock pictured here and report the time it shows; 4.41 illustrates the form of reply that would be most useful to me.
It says 12.03
